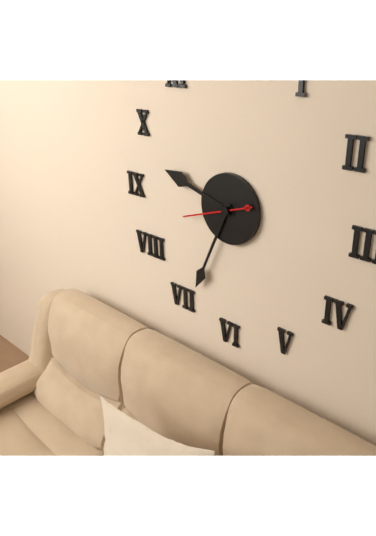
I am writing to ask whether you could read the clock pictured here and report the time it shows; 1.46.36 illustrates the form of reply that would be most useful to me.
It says 9.34.42
